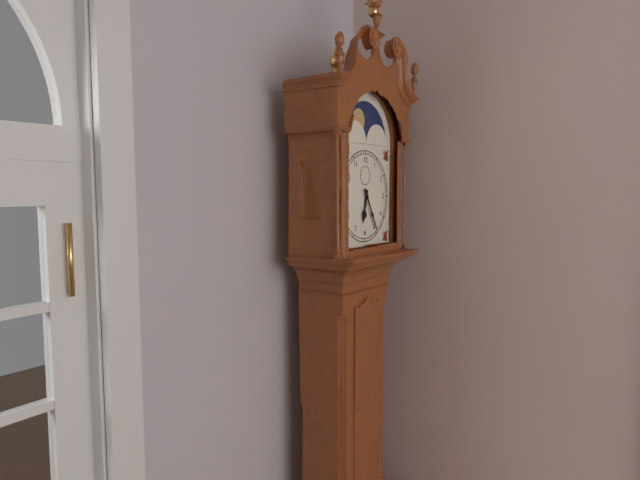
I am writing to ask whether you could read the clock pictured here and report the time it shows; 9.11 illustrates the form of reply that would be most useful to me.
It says 6.25
